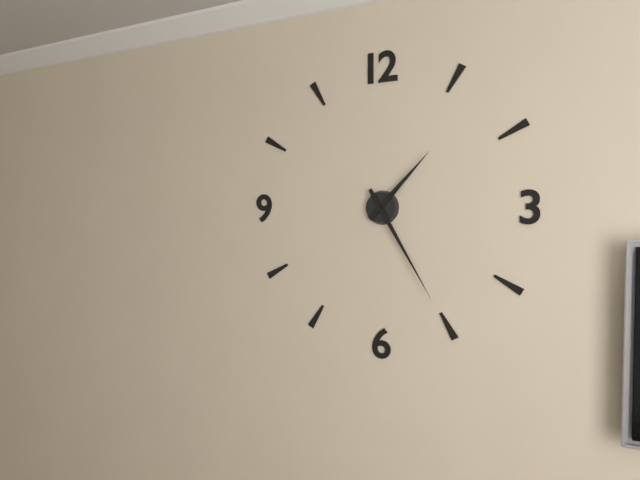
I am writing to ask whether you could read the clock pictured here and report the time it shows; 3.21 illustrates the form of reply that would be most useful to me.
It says 1.25
